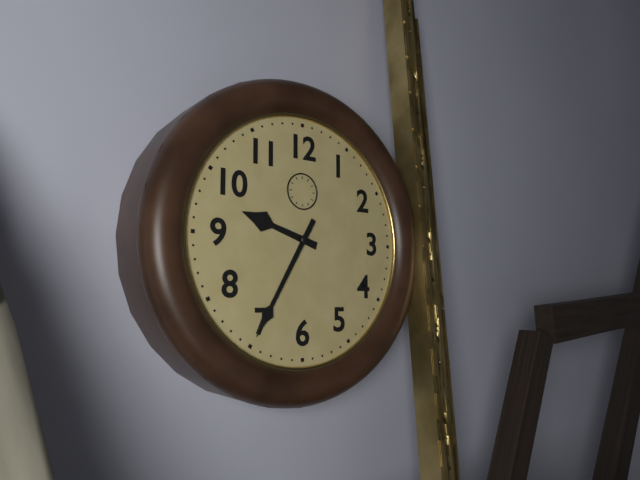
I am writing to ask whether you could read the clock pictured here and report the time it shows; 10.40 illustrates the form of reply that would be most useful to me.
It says 9.35
